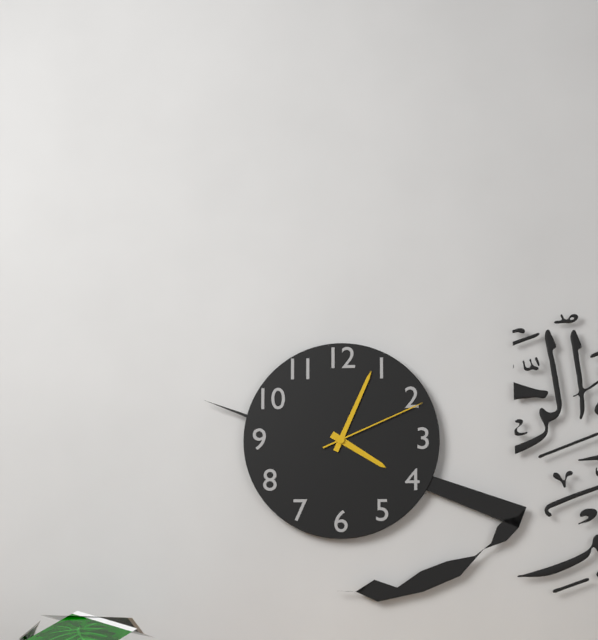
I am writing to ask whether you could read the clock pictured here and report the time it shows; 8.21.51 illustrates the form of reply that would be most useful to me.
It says 4.04.11
